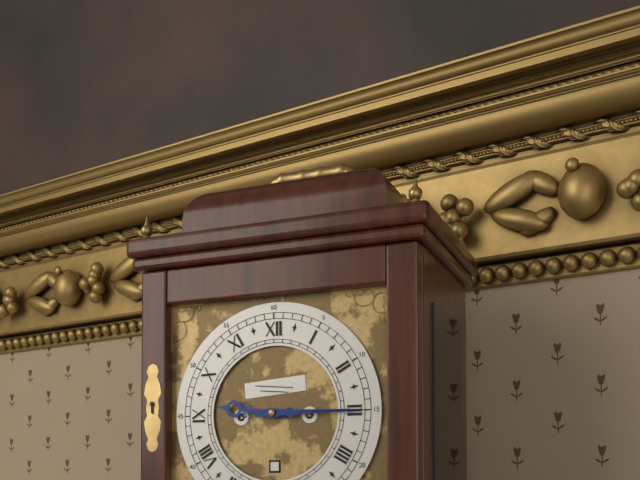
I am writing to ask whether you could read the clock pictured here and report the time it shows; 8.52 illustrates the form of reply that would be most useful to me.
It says 9.15
